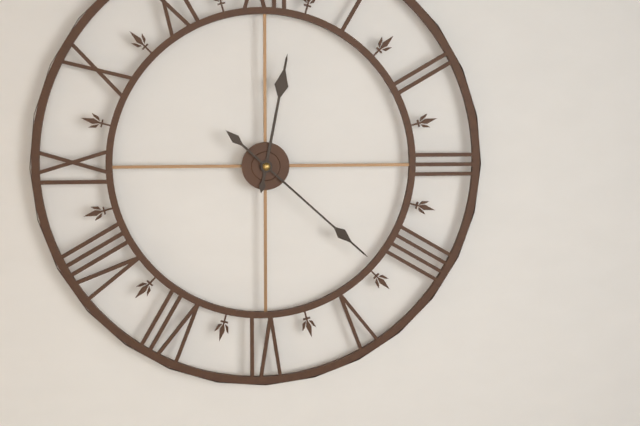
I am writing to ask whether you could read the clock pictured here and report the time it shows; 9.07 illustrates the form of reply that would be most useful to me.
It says 12.22
